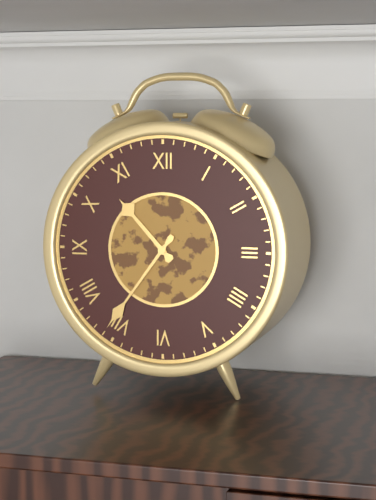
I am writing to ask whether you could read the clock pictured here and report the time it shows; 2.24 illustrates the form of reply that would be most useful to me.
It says 10.36
